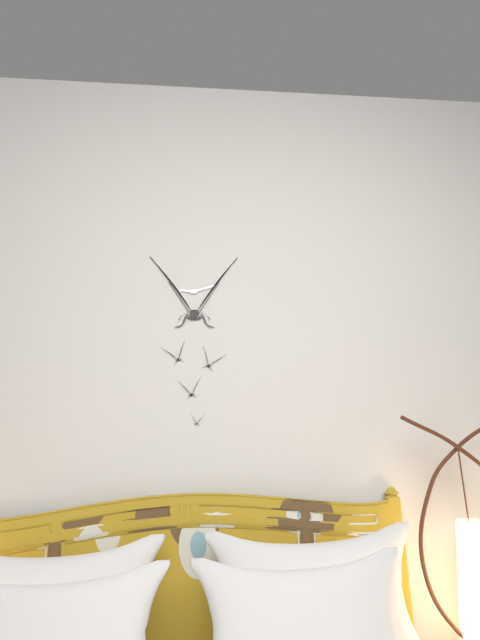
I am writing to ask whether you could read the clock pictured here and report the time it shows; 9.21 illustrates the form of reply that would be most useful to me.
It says 9.12
